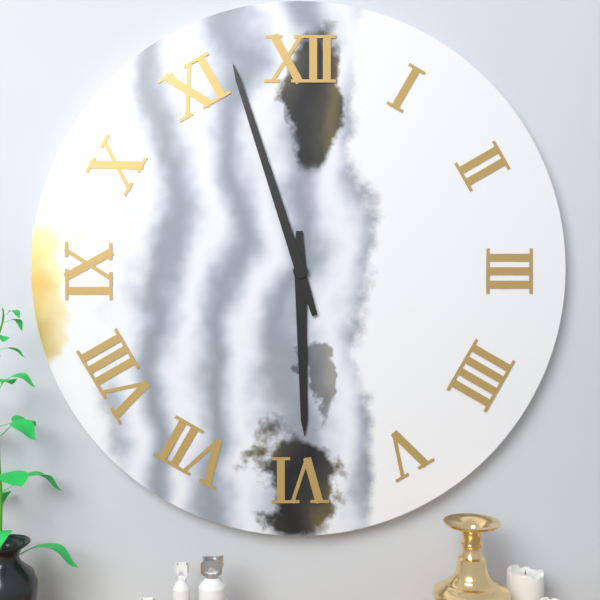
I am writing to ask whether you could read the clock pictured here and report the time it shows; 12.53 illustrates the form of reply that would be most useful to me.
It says 5.57
